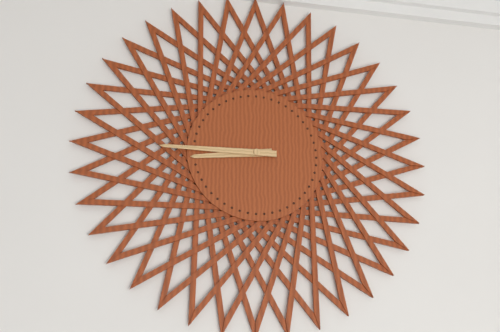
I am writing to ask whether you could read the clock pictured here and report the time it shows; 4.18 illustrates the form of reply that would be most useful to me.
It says 8.45
